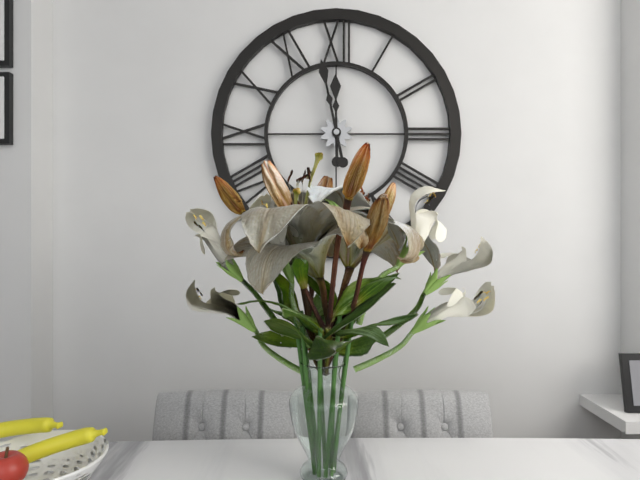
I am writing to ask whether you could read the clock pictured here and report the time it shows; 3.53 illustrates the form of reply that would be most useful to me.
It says 11.58
